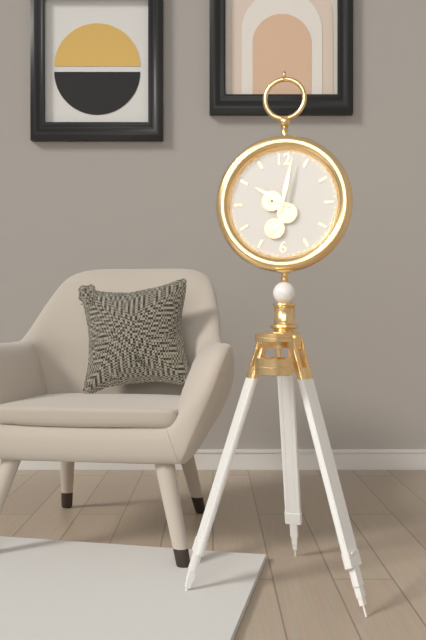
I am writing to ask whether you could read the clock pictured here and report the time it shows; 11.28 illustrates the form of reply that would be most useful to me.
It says 10.02
